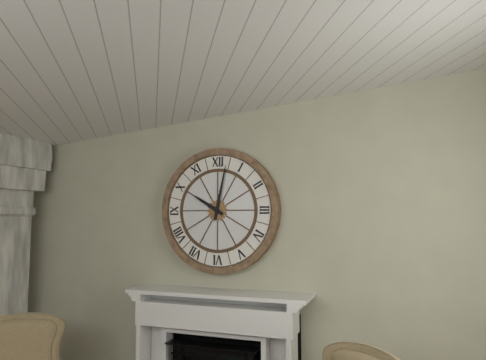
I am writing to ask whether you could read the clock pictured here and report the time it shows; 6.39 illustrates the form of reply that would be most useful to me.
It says 10.02
